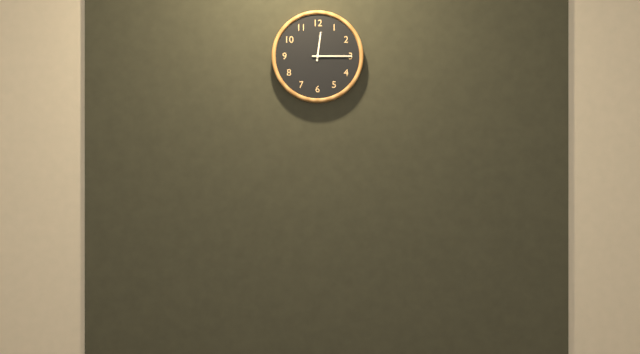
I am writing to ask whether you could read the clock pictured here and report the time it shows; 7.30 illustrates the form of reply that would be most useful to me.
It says 12.15
